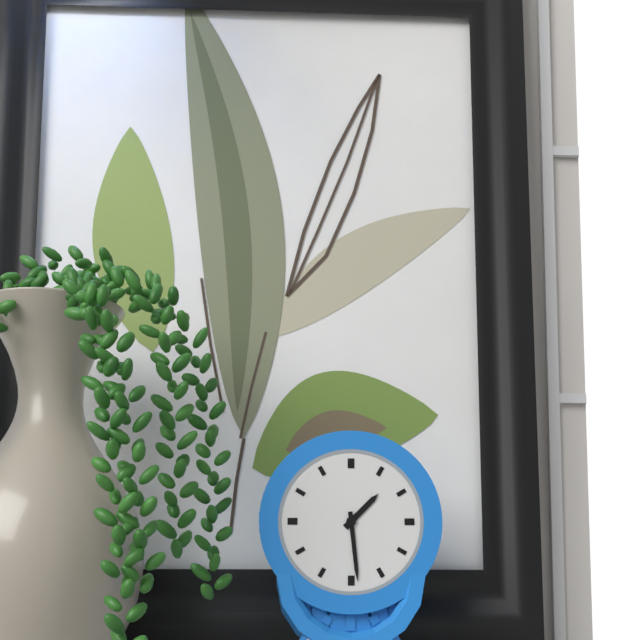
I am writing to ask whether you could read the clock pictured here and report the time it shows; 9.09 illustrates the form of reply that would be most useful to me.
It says 1.29
